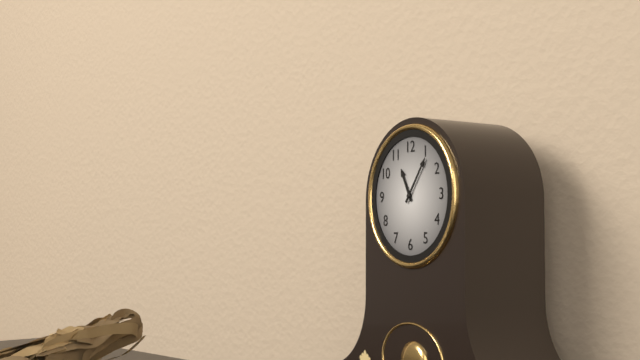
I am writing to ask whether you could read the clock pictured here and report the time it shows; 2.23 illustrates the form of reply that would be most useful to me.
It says 11.06
